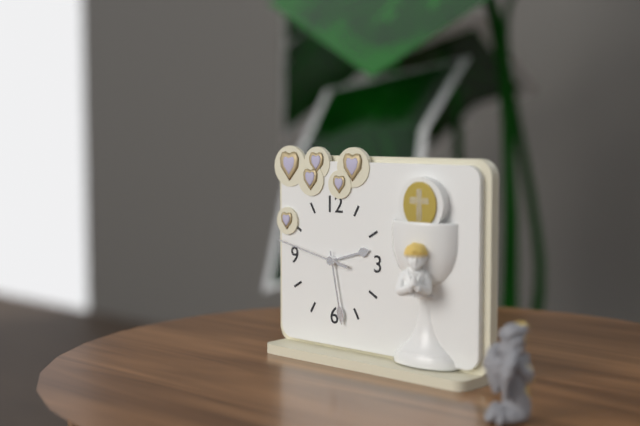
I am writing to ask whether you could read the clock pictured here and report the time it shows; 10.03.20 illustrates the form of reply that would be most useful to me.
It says 2.28.47
